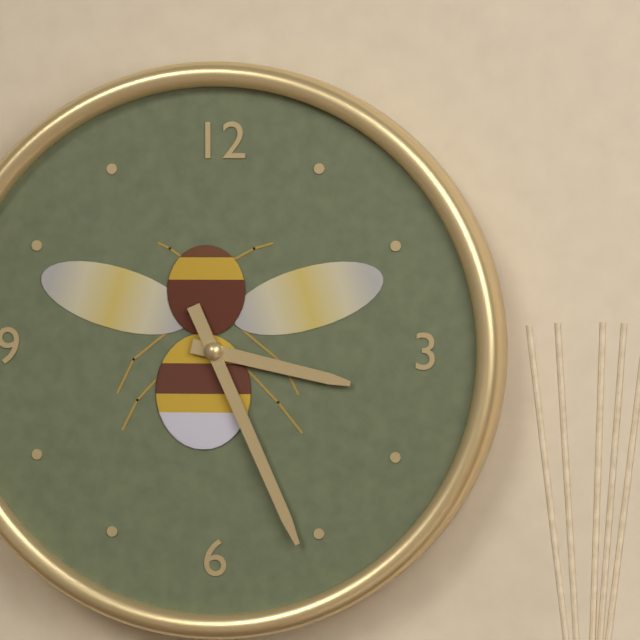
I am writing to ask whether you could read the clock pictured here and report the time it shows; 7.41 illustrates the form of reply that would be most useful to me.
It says 3.26
